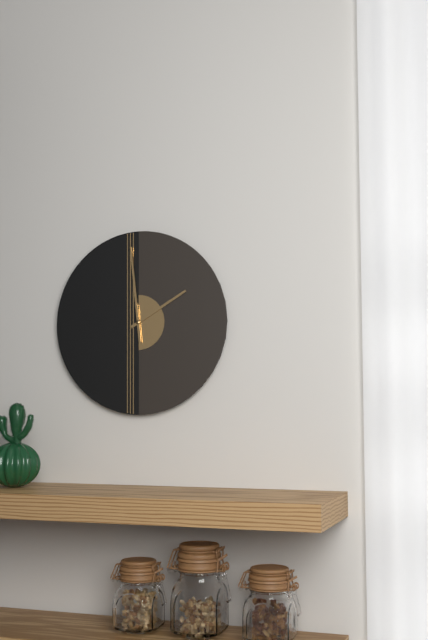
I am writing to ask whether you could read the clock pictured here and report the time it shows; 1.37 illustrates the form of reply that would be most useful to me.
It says 1.59
